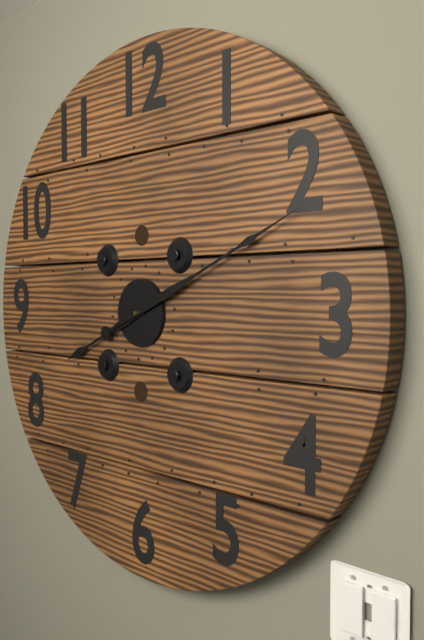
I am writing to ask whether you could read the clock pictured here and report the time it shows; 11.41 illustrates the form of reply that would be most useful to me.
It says 8.11
